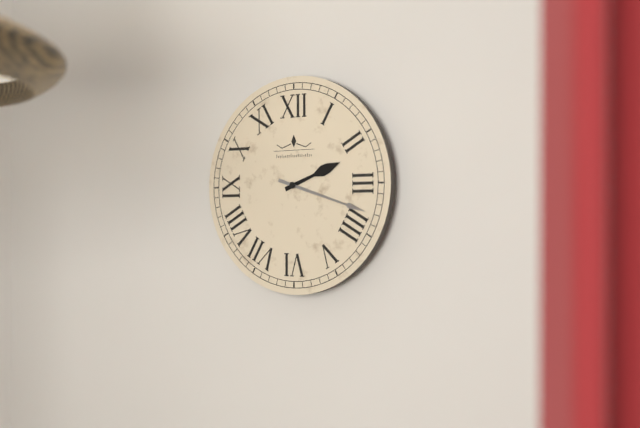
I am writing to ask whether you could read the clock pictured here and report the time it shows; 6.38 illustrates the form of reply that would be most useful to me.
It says 2.18
